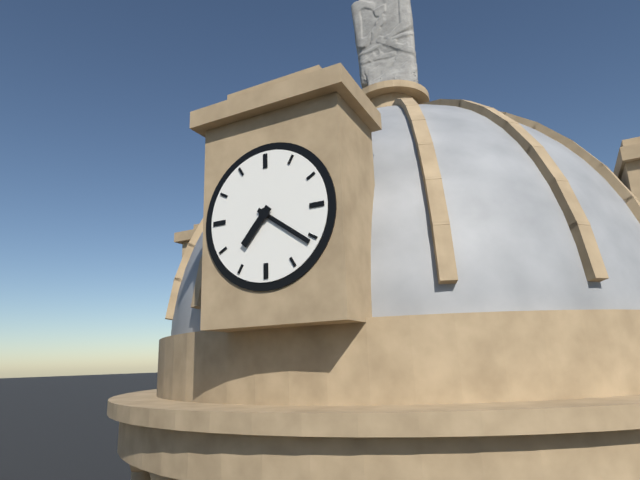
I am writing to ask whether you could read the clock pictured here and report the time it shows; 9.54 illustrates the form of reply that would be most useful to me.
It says 7.21
